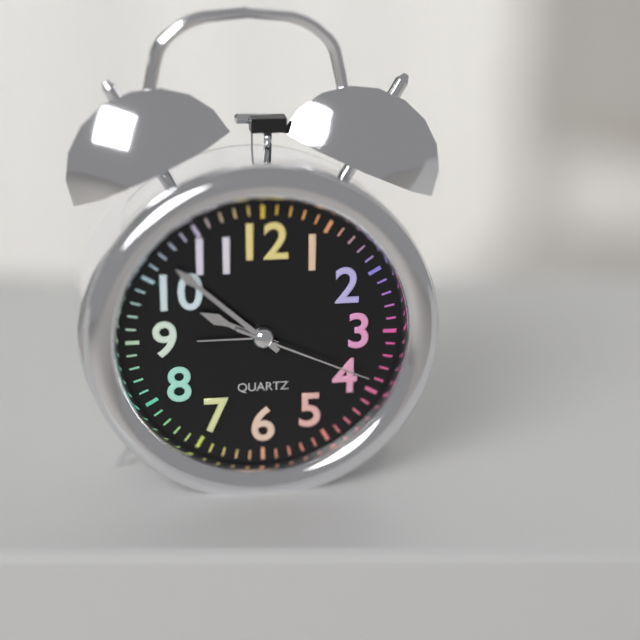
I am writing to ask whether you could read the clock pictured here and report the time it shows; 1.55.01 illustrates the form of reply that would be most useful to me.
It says 9.52.19
